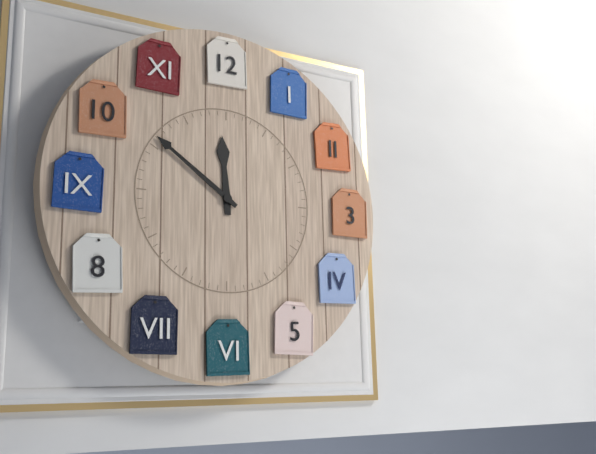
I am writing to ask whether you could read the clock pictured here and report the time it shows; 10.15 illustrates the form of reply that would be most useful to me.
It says 11.51
